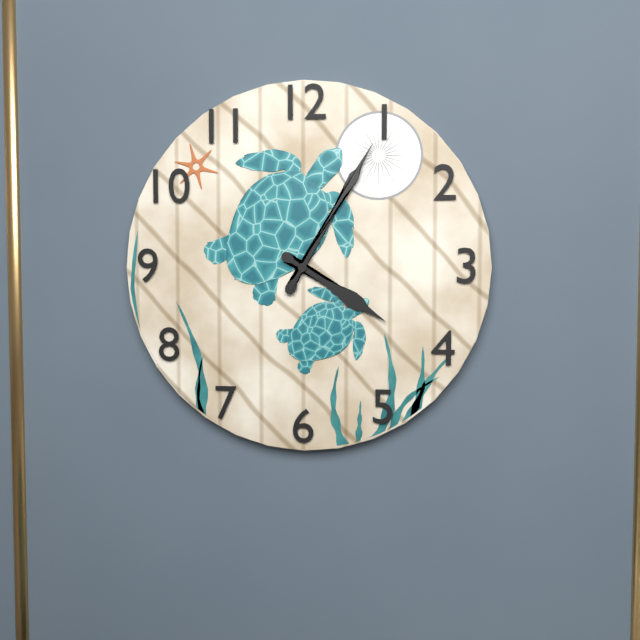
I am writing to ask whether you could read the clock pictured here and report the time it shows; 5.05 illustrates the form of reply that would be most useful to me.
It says 4.05
